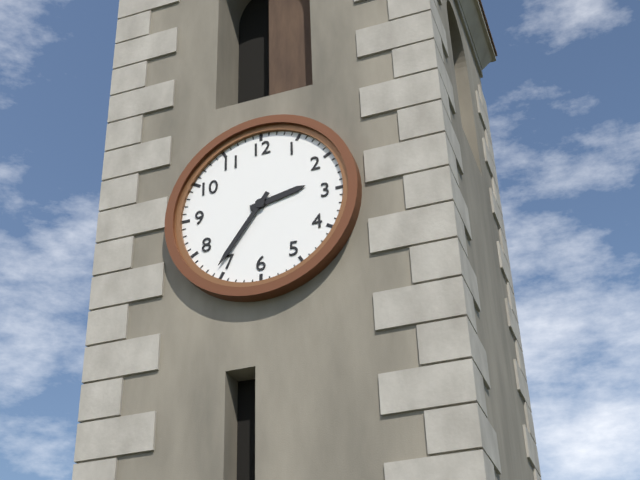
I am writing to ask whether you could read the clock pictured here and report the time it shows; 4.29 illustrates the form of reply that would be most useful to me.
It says 2.36
